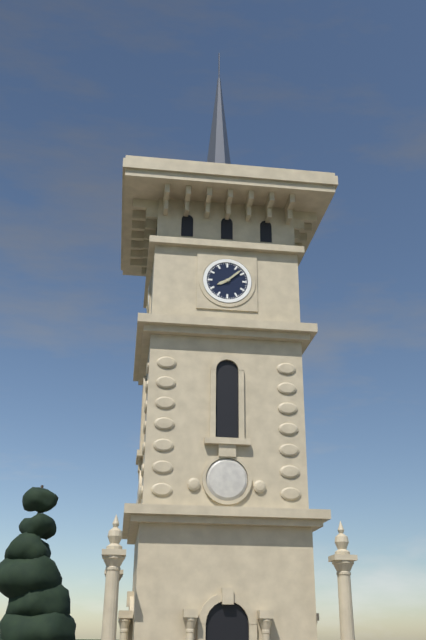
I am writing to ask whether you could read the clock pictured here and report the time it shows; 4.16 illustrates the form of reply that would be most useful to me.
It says 8.08
